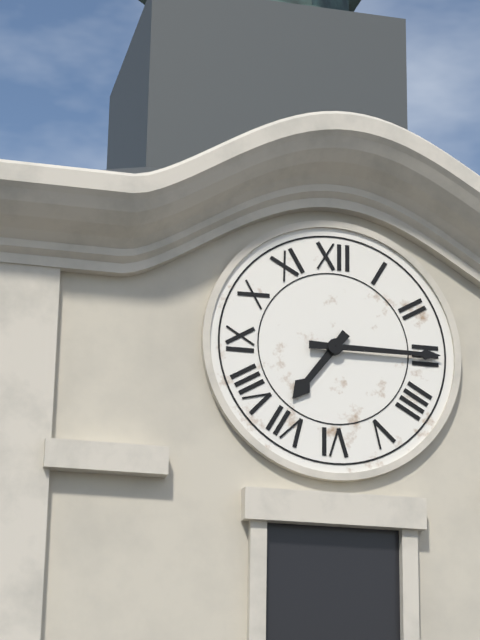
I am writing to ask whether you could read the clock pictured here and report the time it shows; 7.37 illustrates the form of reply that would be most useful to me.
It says 7.15
